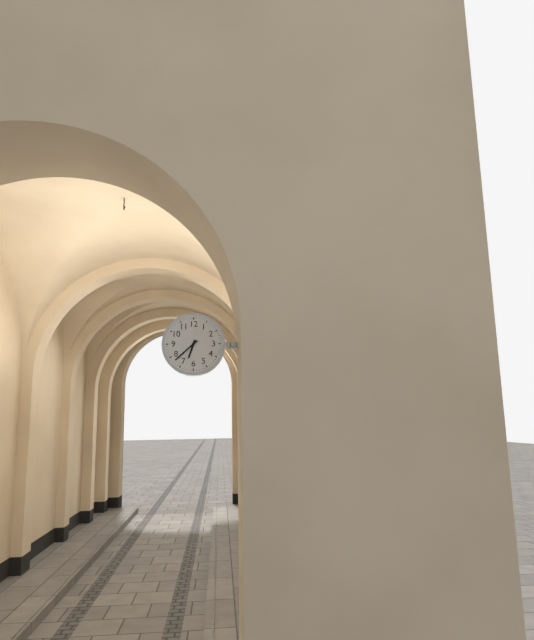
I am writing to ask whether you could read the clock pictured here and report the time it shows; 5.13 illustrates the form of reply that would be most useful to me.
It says 6.38
